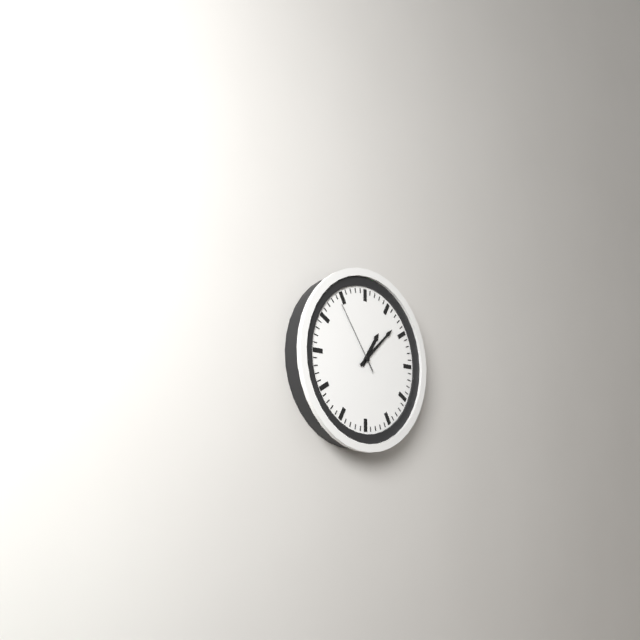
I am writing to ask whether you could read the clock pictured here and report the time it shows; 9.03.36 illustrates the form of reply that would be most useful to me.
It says 1.08.54
